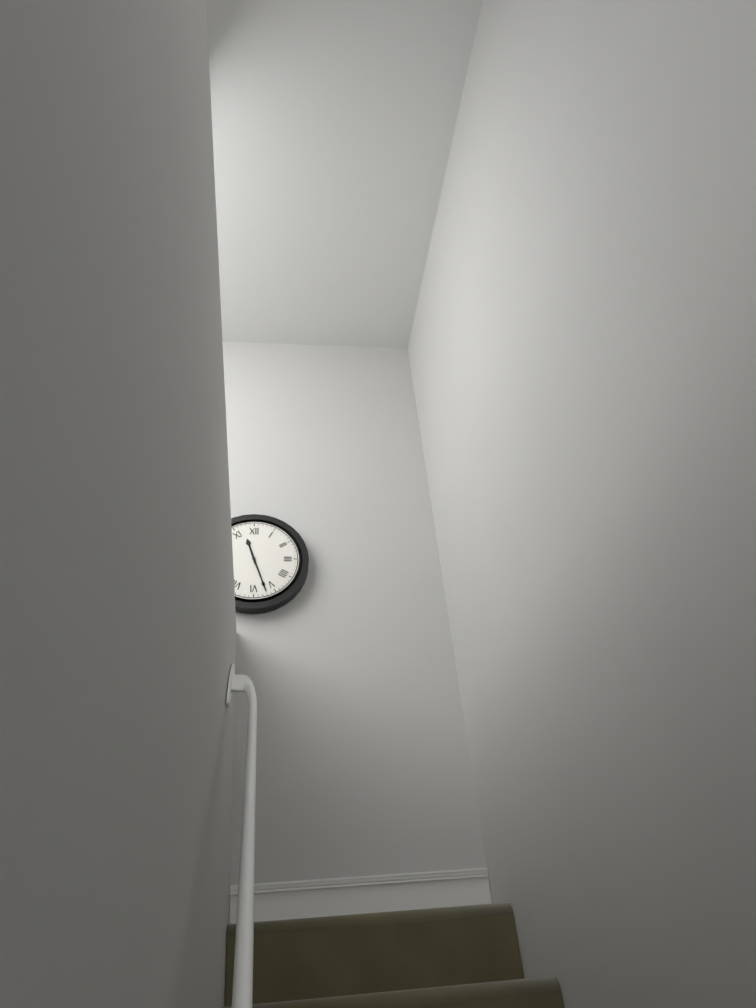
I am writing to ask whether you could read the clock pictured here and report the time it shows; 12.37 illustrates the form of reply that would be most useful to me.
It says 11.27
